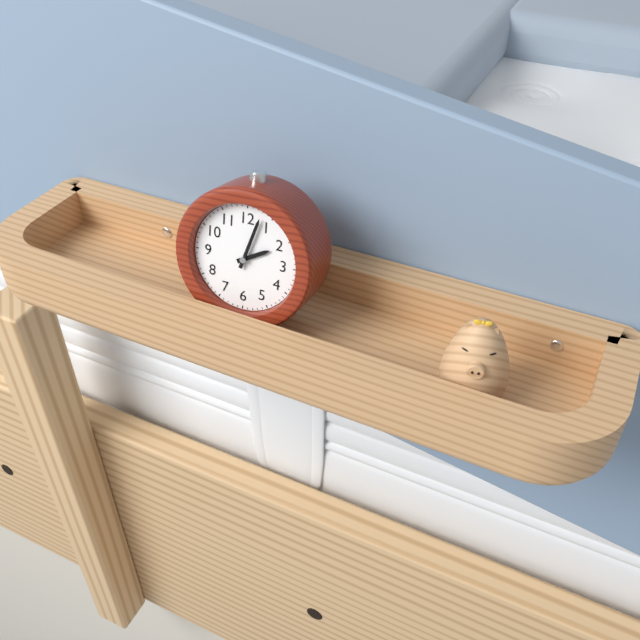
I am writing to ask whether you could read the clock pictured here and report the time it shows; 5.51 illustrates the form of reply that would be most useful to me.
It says 2.03
